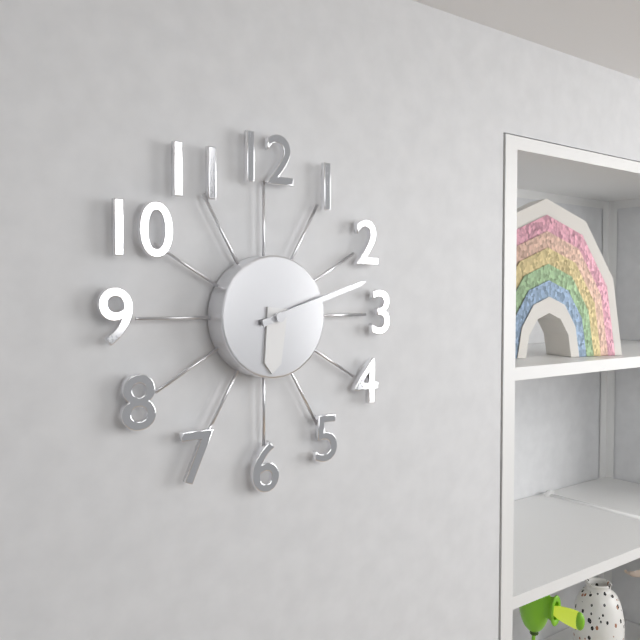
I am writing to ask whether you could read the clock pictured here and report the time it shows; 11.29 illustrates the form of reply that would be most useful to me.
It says 6.12
